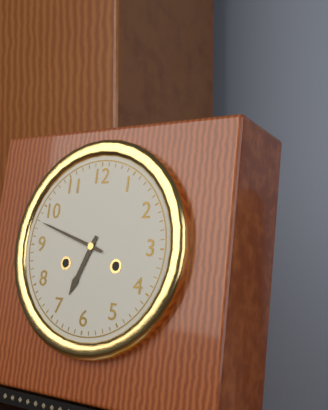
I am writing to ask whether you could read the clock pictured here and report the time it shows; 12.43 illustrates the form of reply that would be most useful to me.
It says 6.48
